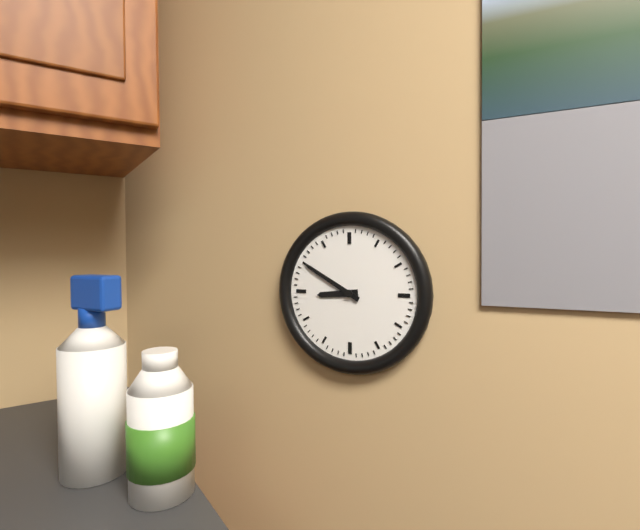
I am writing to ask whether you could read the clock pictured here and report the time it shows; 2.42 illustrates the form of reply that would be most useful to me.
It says 8.50
